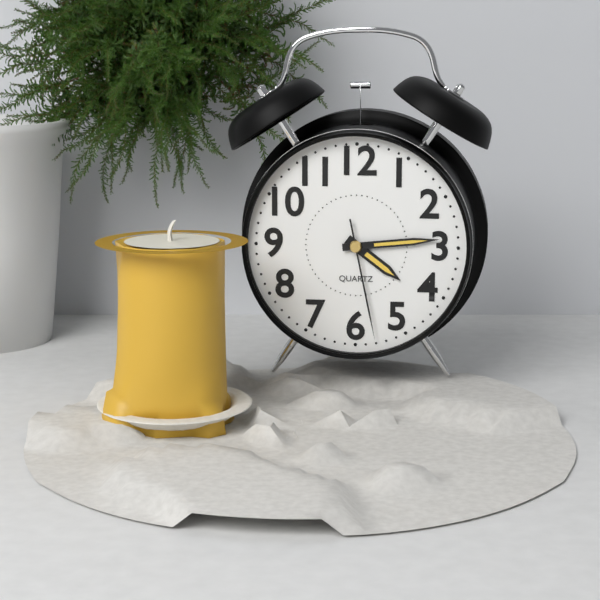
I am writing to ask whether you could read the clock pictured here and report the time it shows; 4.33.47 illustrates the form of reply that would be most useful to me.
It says 4.14.28
